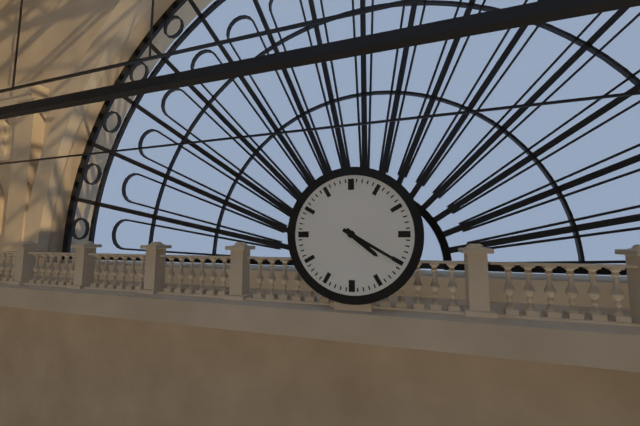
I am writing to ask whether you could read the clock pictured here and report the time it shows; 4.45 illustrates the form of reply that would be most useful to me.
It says 4.20
